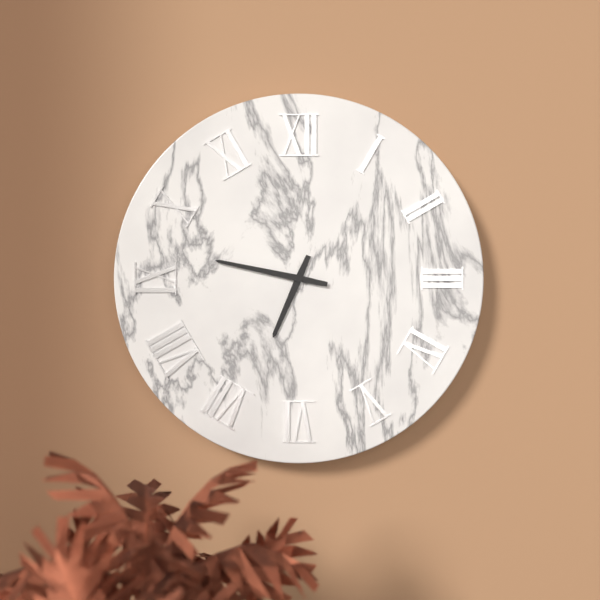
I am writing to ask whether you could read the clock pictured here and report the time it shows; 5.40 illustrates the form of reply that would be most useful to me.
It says 6.47
